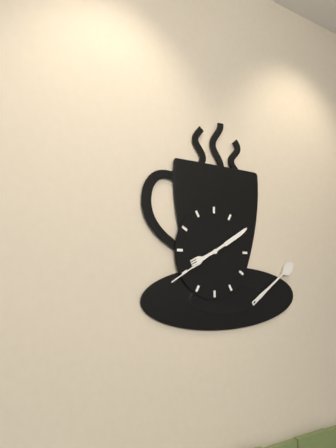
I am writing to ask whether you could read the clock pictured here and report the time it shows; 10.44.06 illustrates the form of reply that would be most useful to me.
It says 8.10.40
